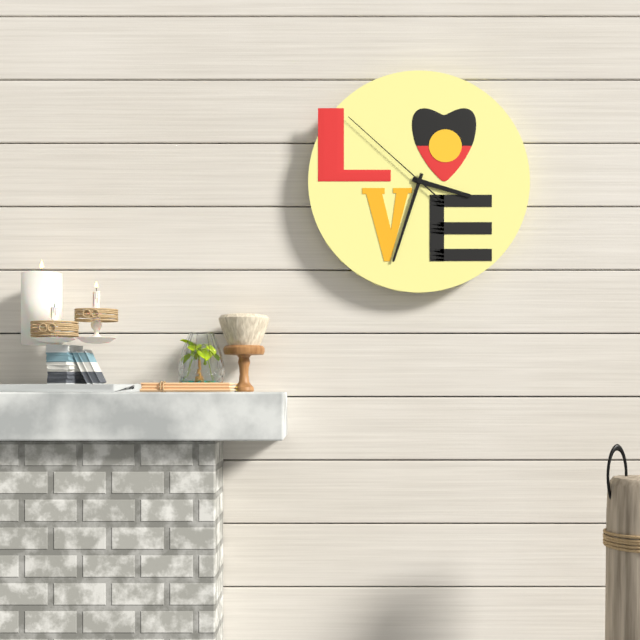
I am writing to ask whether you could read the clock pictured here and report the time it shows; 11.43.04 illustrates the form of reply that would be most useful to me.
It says 3.33.52
